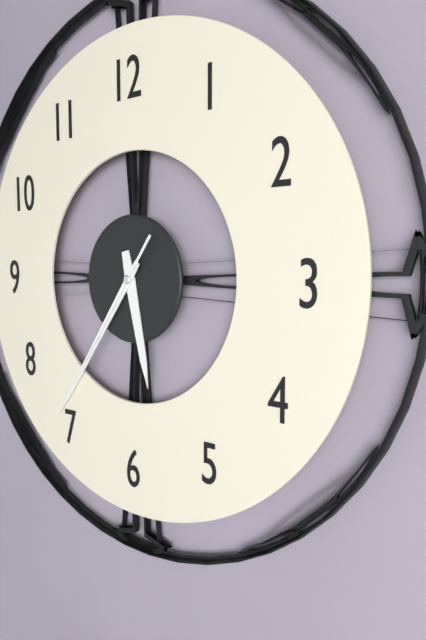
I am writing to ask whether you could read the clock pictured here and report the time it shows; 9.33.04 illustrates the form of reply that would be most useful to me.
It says 5.36.36
